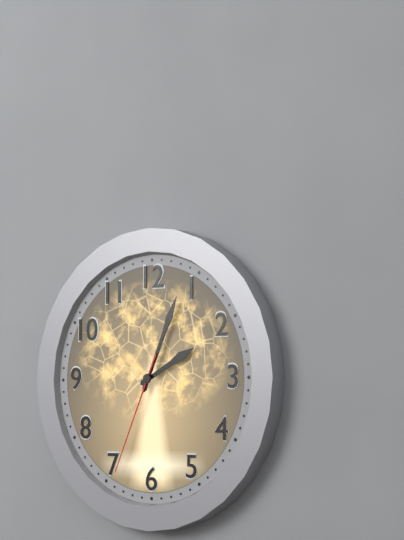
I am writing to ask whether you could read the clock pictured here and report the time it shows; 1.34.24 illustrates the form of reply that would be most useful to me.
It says 2.04.34
